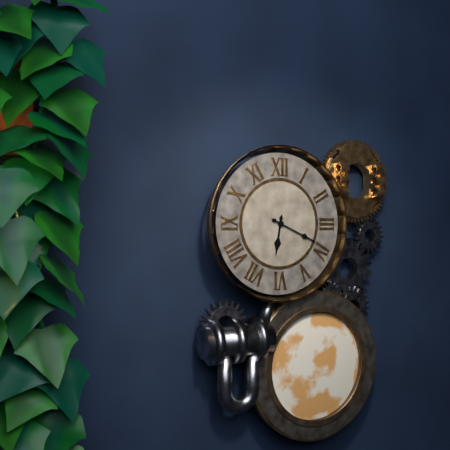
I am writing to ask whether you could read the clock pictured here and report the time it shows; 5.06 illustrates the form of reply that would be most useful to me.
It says 6.19
